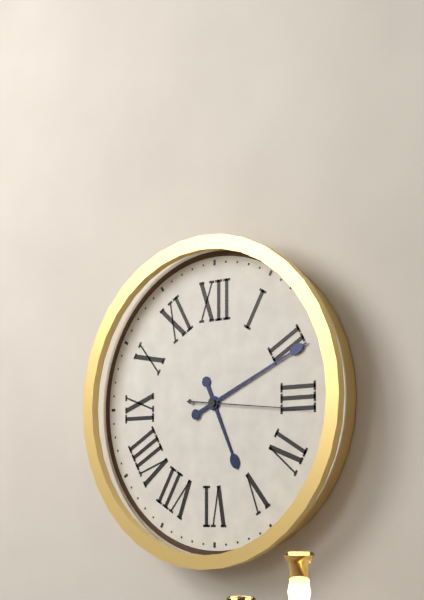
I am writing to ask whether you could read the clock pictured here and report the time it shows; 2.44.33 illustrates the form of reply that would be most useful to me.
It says 5.11.16
